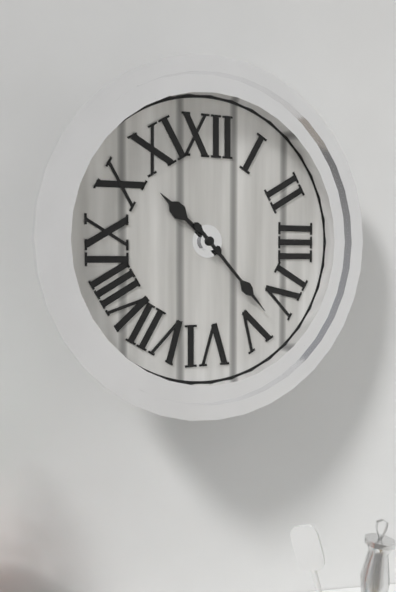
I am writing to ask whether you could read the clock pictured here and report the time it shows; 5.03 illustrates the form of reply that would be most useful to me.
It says 10.23
